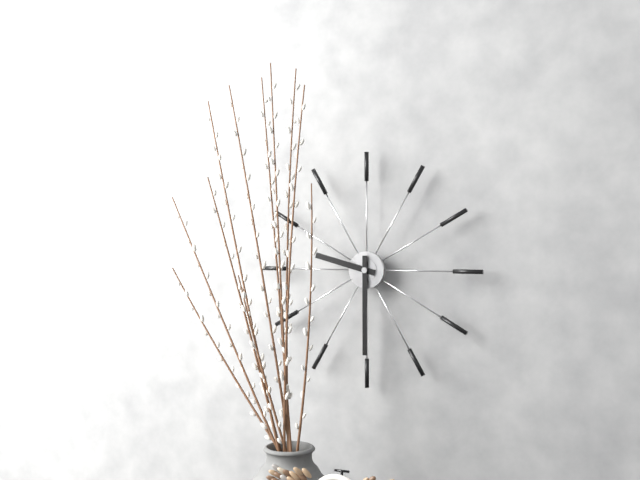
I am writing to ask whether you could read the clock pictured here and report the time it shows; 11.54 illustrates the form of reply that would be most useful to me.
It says 9.30
